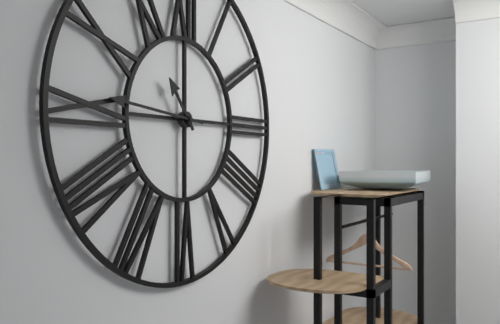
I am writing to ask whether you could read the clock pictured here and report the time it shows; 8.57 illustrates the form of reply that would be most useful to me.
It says 10.46
